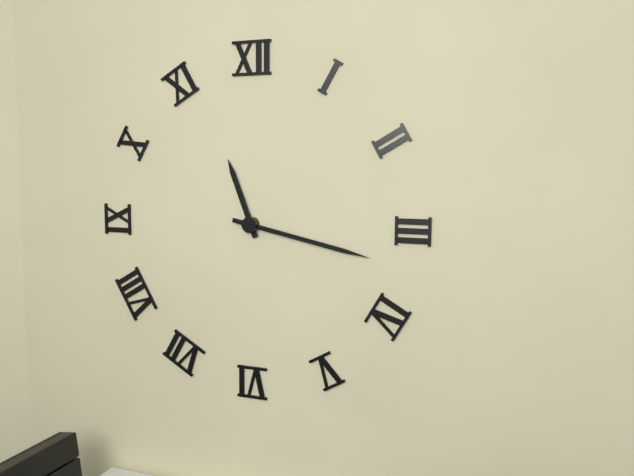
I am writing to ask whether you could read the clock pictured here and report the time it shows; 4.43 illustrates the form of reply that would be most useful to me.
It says 11.17
